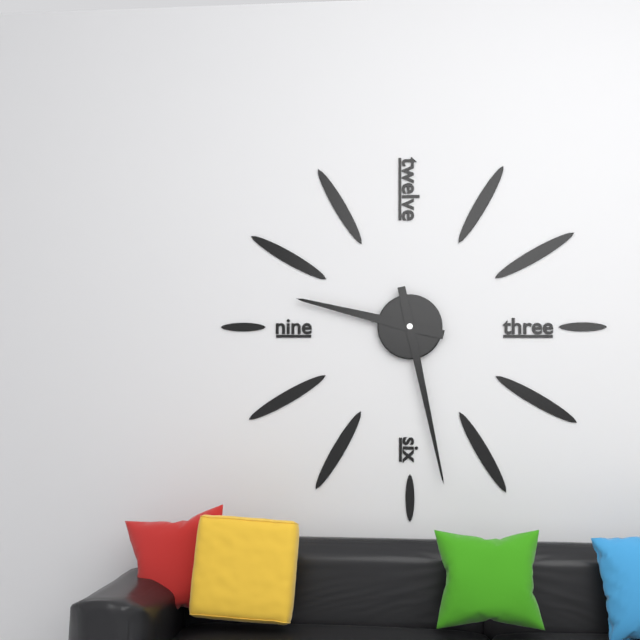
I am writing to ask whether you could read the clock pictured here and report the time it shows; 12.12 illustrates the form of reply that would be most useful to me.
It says 9.28
